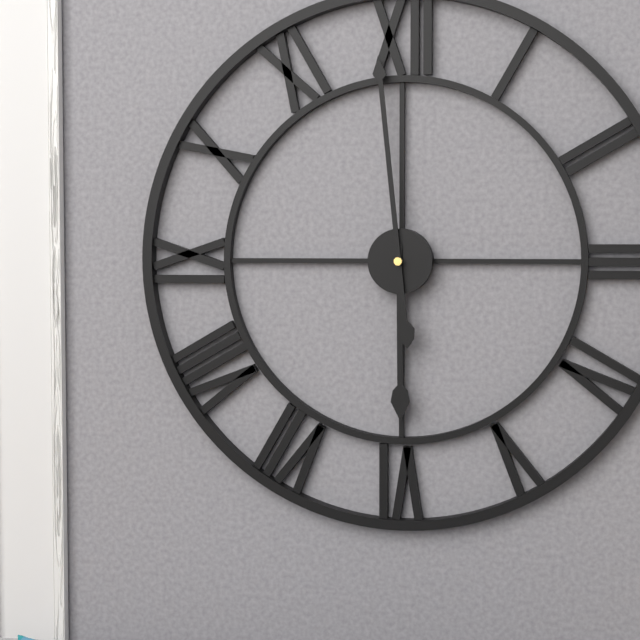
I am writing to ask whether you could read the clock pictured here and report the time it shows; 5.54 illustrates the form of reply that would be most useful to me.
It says 5.59
